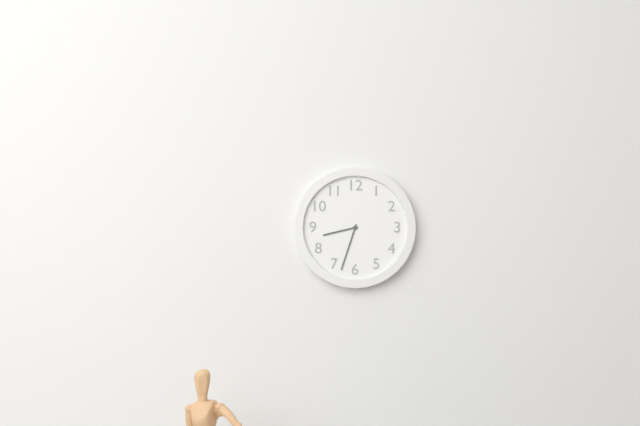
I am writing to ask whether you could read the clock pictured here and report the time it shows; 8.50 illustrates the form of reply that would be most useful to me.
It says 8.33
